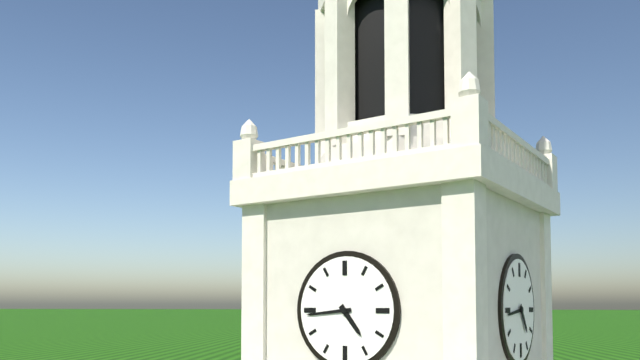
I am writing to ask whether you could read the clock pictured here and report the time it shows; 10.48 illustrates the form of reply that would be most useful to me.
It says 4.44
